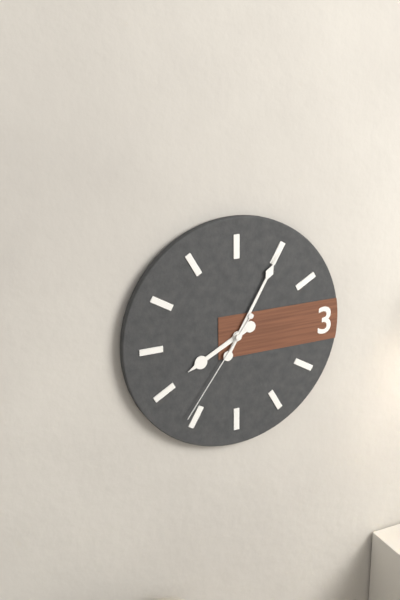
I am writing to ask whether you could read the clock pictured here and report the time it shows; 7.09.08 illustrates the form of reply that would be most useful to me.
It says 8.05.36
